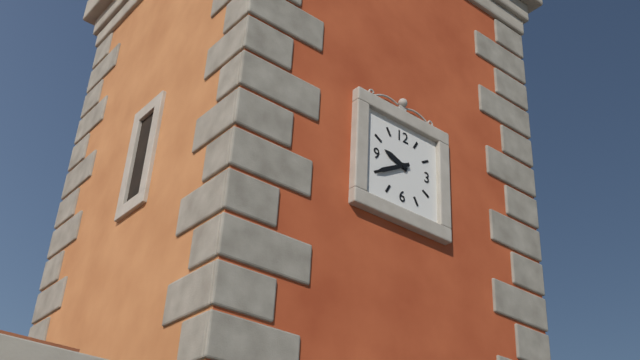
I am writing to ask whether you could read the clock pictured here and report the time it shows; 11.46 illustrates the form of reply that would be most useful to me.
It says 9.40
